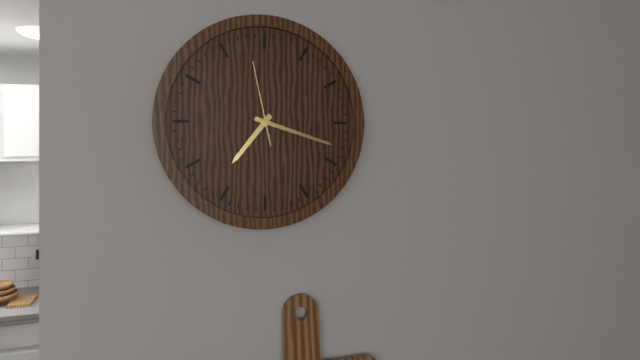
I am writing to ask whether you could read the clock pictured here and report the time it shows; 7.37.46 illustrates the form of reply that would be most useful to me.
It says 7.18.58
